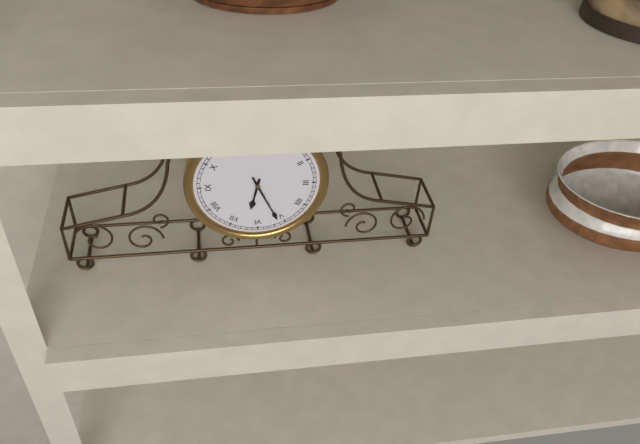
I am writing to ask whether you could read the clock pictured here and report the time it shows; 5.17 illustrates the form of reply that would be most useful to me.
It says 6.26
